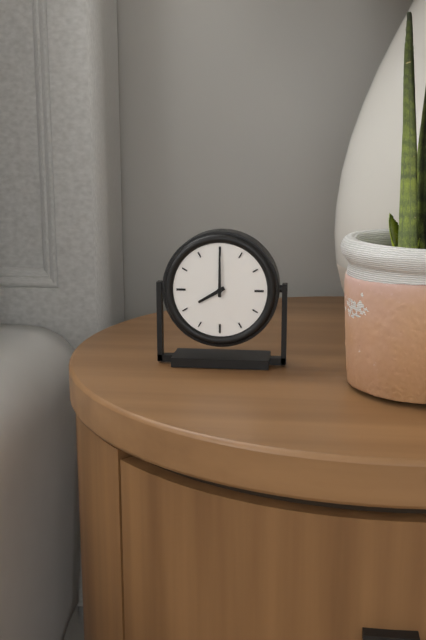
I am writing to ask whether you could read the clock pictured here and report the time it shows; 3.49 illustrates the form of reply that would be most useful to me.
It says 8.00
